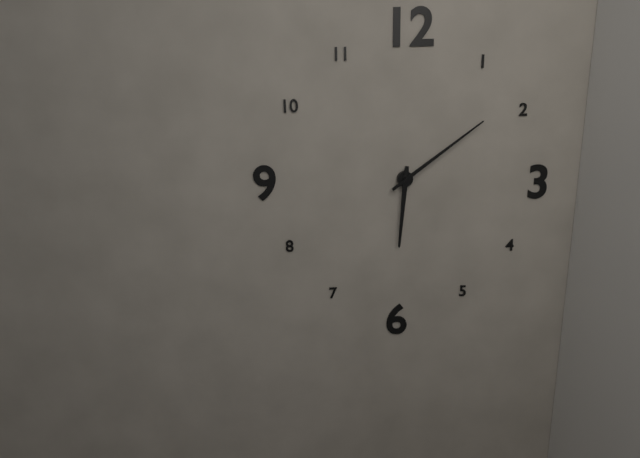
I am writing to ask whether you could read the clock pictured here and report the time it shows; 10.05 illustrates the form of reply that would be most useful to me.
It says 6.09
